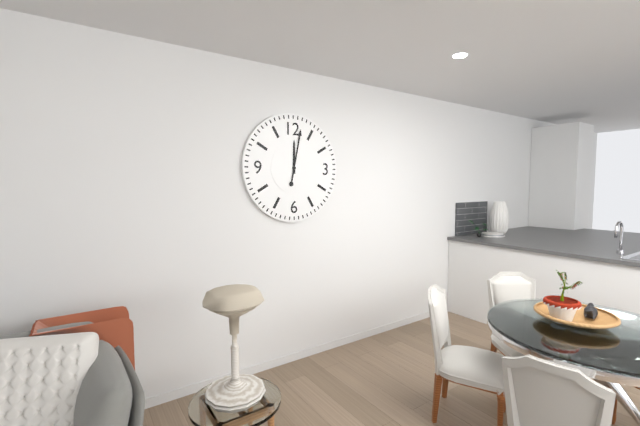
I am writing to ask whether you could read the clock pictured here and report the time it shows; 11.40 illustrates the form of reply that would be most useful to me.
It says 12.02
